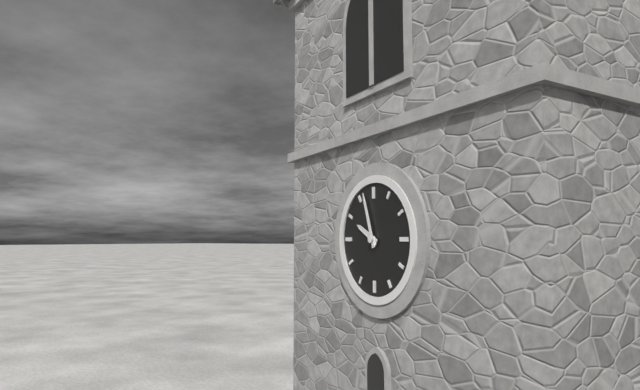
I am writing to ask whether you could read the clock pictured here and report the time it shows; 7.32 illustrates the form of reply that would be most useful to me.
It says 9.57
